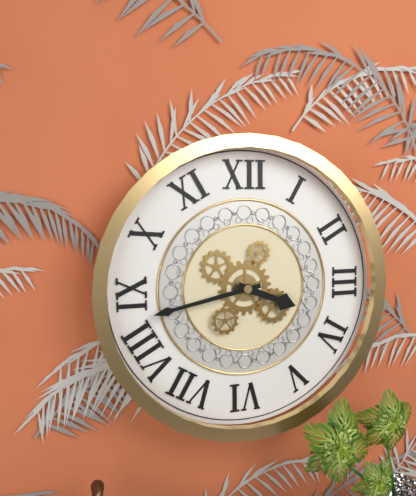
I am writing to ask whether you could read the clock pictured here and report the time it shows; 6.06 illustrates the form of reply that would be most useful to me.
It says 3.43
